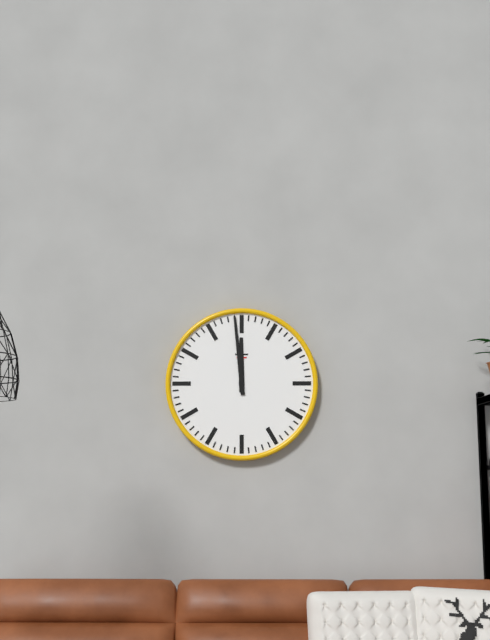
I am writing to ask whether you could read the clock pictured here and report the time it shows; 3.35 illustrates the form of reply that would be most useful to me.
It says 11.59
